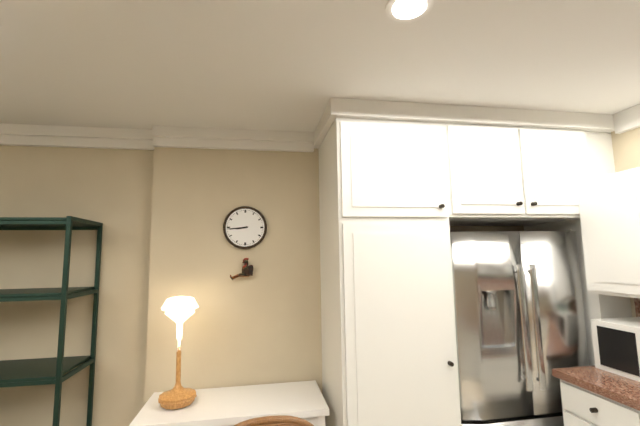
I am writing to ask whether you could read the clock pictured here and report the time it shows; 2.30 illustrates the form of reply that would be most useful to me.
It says 8.44
